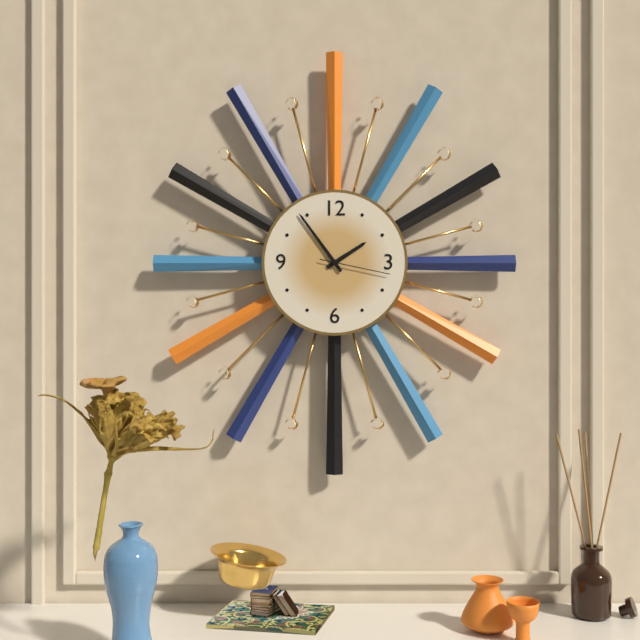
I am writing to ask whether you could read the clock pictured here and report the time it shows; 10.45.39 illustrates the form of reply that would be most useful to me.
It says 1.54.17
